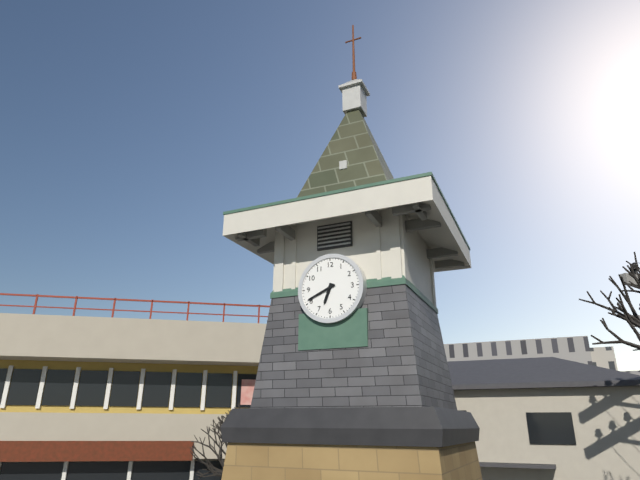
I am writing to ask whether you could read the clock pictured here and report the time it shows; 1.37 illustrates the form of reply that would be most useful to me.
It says 6.41
